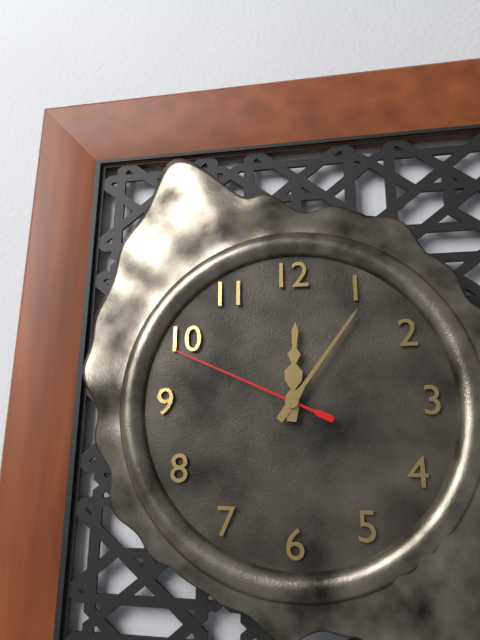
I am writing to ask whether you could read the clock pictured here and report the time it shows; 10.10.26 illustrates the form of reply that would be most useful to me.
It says 12.06.49
